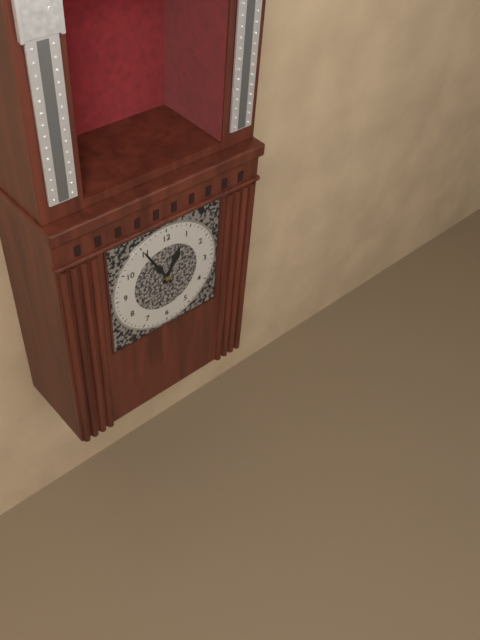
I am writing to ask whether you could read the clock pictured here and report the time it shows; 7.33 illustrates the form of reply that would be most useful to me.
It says 12.55
